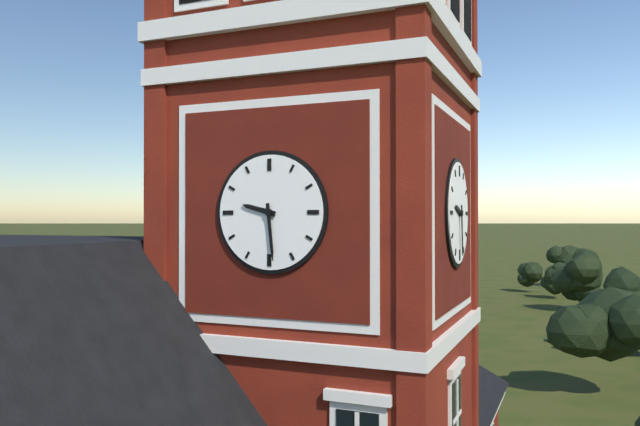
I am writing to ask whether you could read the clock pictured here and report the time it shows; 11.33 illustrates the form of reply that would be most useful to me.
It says 9.29
